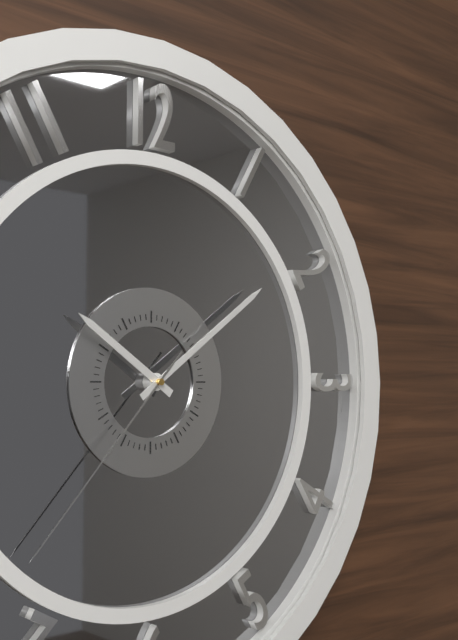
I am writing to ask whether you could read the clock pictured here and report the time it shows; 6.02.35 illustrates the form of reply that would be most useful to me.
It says 10.09.37
